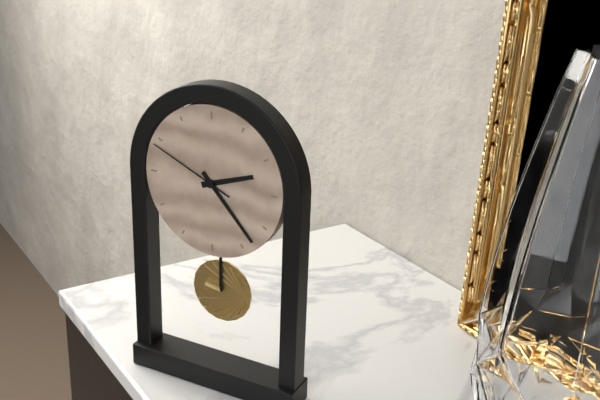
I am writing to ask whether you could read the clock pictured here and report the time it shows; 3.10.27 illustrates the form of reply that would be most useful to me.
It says 2.23.49
